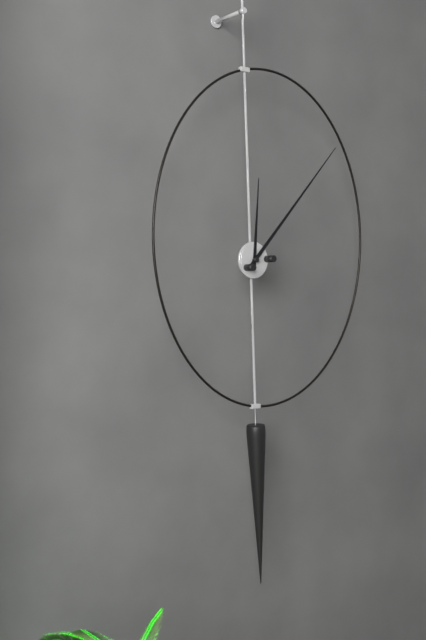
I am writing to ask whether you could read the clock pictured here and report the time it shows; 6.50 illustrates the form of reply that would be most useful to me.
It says 12.07
